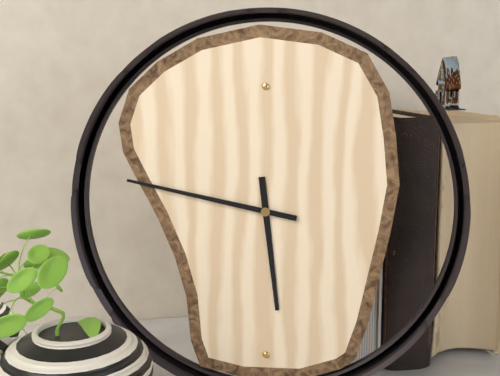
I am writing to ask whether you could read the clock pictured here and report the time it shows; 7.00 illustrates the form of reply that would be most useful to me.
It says 5.47
